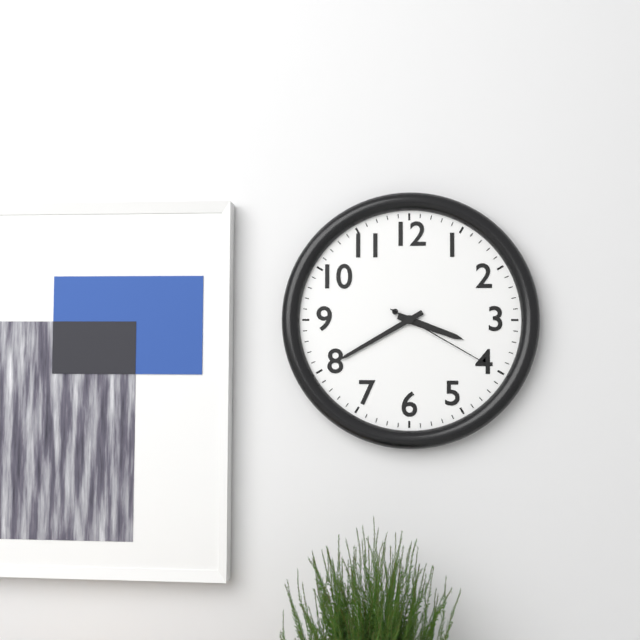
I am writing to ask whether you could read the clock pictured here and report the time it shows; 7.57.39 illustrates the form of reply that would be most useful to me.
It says 3.40.20
